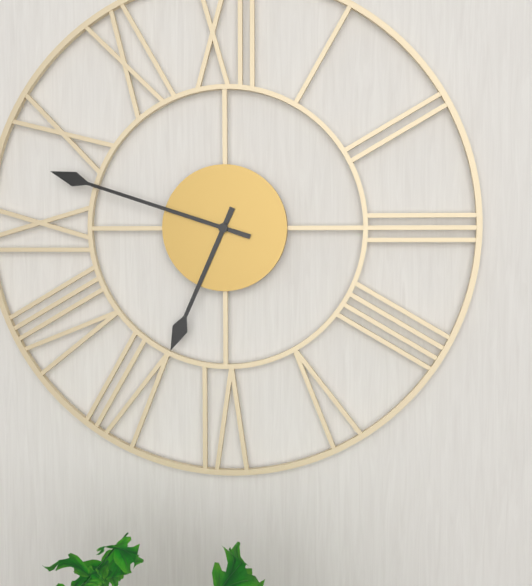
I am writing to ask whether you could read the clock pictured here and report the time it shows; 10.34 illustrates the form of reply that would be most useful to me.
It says 6.48
